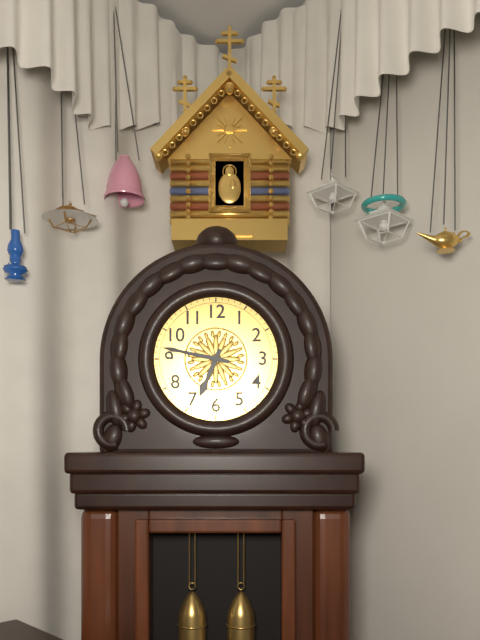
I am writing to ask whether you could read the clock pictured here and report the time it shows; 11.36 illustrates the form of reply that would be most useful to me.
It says 6.47
